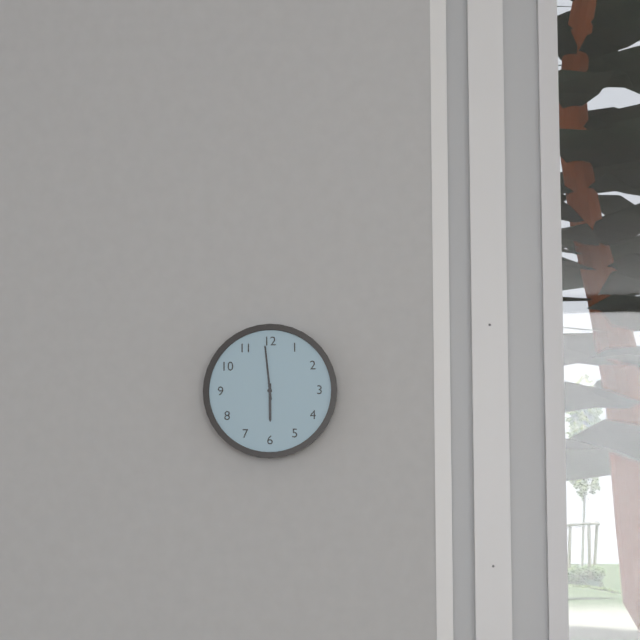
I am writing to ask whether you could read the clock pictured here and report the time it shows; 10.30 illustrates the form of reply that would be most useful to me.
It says 5.59
